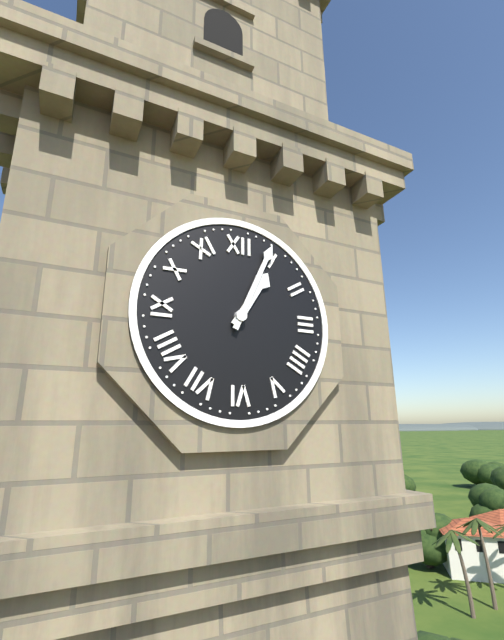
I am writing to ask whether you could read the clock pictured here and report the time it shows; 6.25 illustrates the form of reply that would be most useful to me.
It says 1.04
